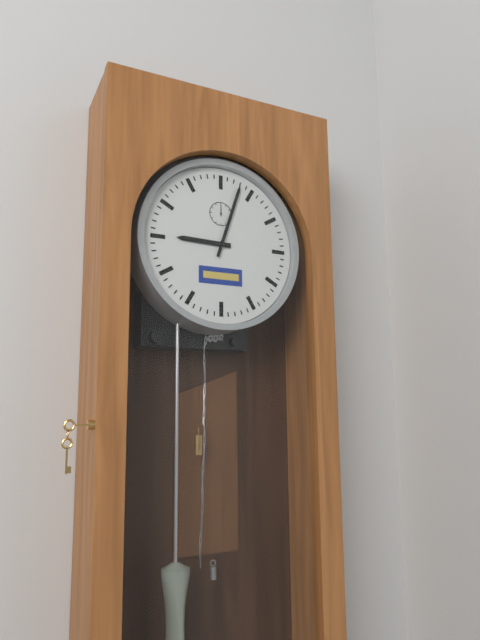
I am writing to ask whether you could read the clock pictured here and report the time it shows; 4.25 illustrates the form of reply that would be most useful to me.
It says 9.03
